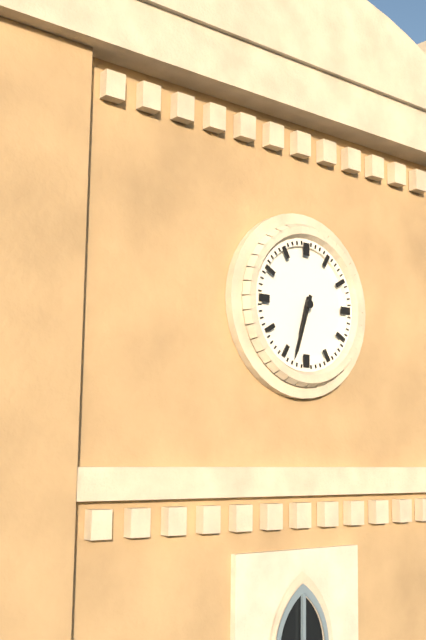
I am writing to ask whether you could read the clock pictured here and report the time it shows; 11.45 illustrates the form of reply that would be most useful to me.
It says 6.33
